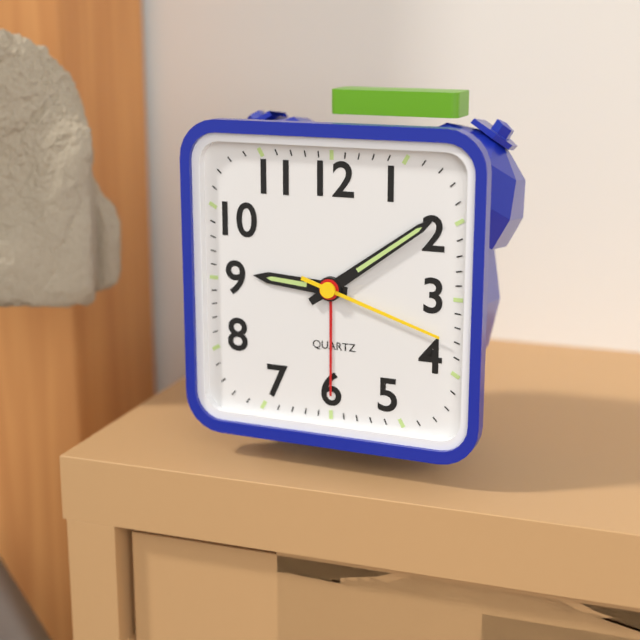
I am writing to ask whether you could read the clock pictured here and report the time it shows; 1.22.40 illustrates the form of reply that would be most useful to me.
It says 9.09.18
